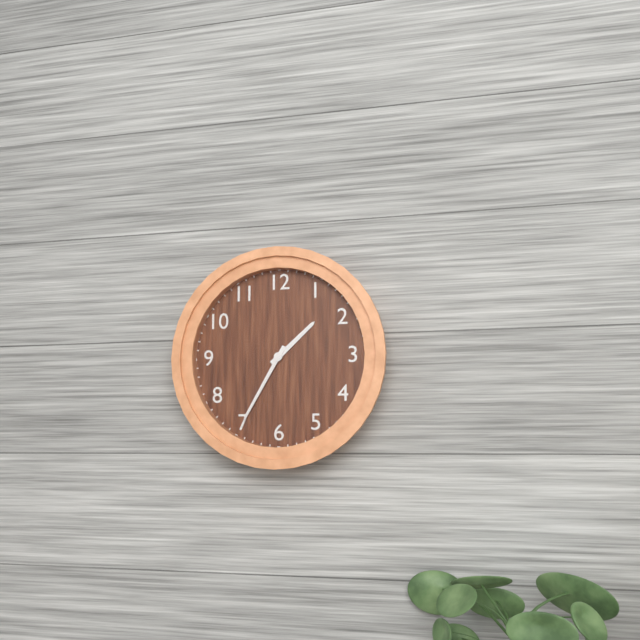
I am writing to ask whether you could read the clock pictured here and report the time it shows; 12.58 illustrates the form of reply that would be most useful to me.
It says 1.35
